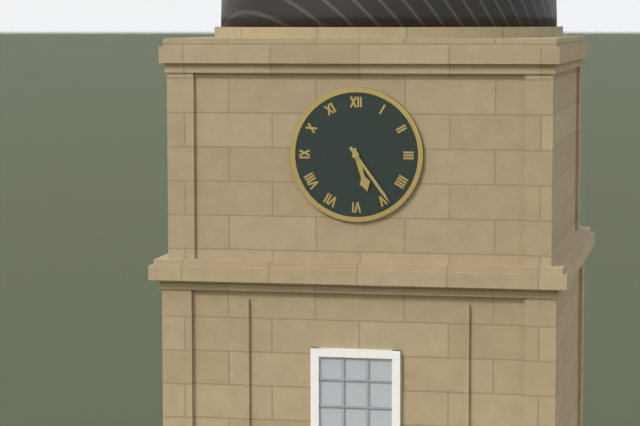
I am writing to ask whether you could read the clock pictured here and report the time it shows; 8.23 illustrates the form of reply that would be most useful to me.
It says 5.24
